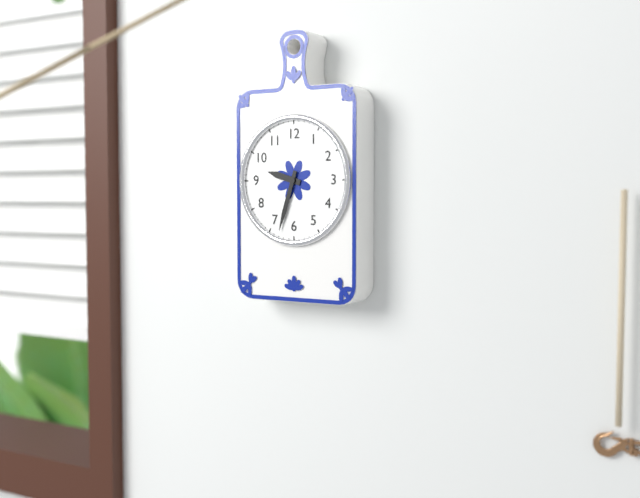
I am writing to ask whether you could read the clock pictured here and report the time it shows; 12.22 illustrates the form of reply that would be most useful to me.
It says 9.33
